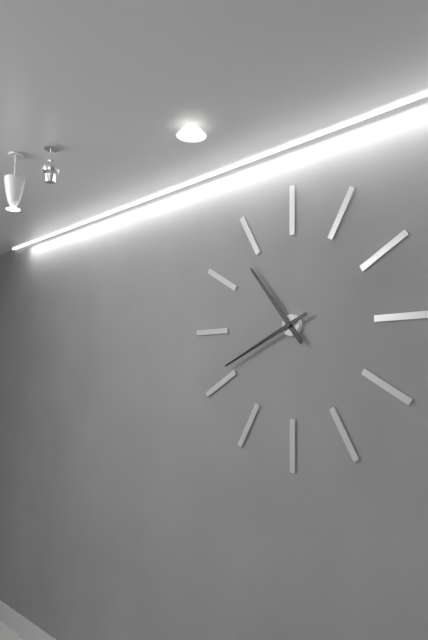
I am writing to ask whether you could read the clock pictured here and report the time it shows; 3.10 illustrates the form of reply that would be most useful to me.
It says 10.41
